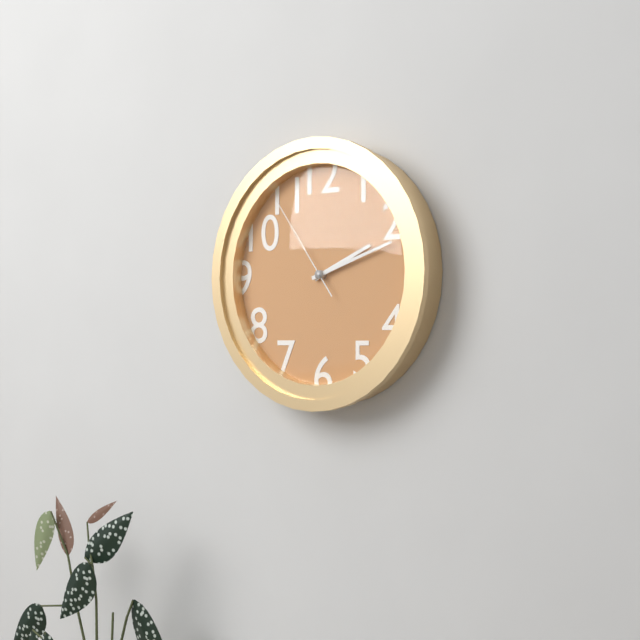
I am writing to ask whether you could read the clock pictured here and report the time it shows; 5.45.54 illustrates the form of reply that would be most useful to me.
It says 2.12.54
